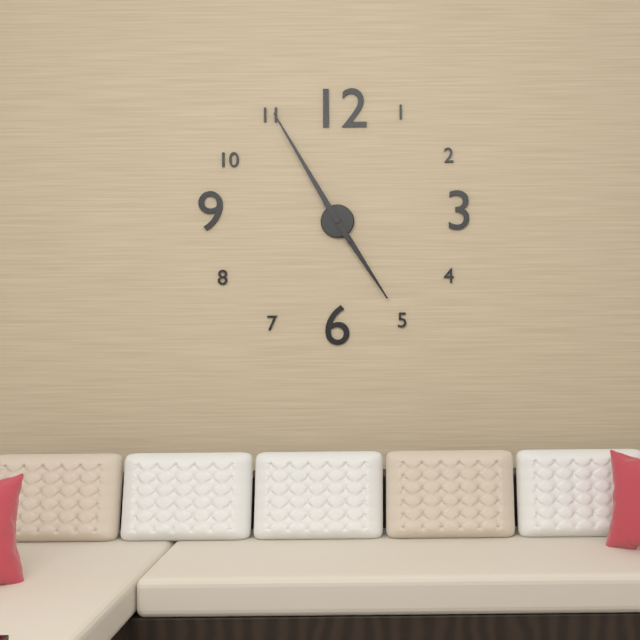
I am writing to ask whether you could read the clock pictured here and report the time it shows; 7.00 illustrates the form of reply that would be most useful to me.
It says 4.55
